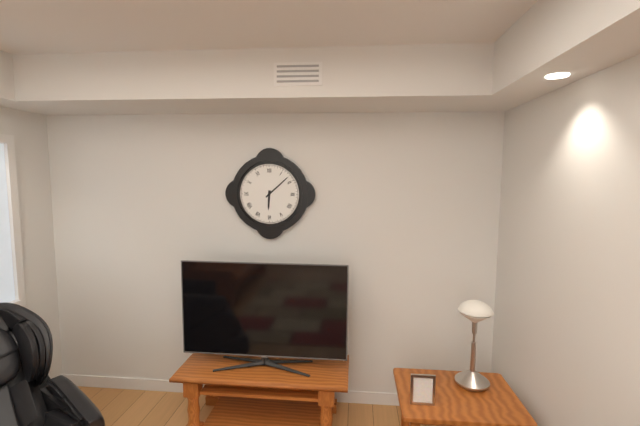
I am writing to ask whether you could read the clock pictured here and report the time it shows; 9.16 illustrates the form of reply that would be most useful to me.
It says 6.08
